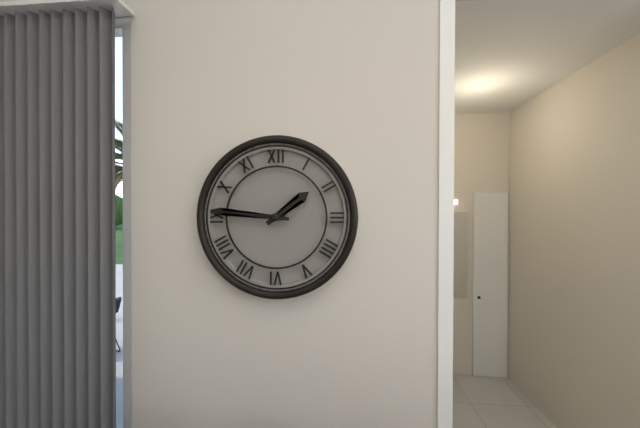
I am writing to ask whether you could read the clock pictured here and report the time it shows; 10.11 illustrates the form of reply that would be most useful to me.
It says 1.46
